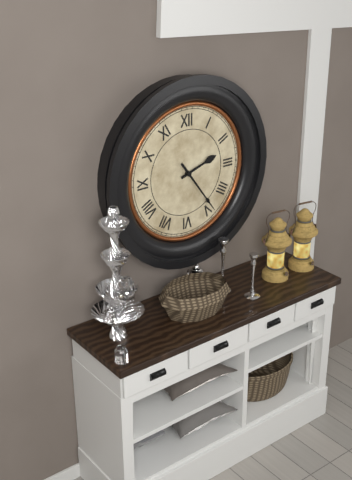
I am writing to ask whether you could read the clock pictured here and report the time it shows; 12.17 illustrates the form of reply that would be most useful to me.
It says 2.24
